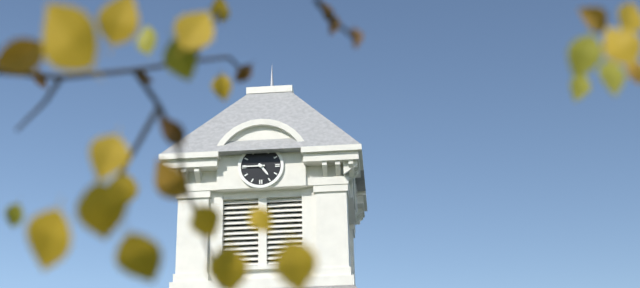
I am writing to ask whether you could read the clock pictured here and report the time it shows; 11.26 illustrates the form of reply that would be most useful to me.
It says 4.45
